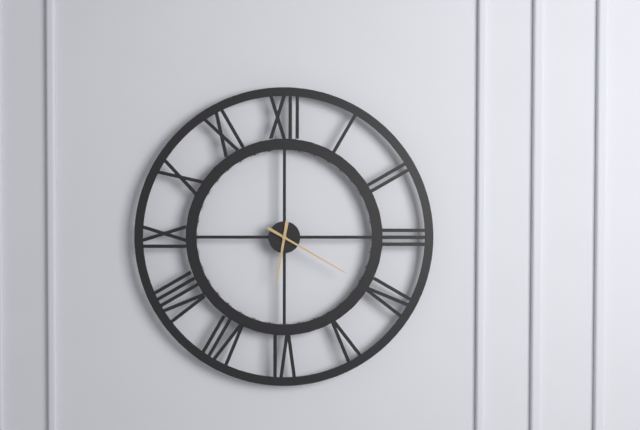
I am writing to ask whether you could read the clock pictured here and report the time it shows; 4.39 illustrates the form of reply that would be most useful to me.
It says 6.20
